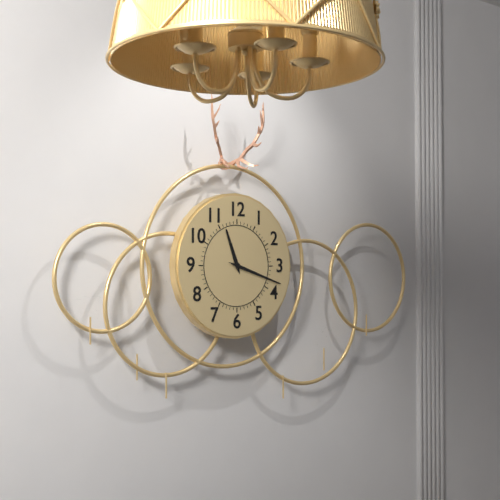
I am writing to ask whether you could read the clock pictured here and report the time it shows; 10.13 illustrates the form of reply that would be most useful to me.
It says 11.18
